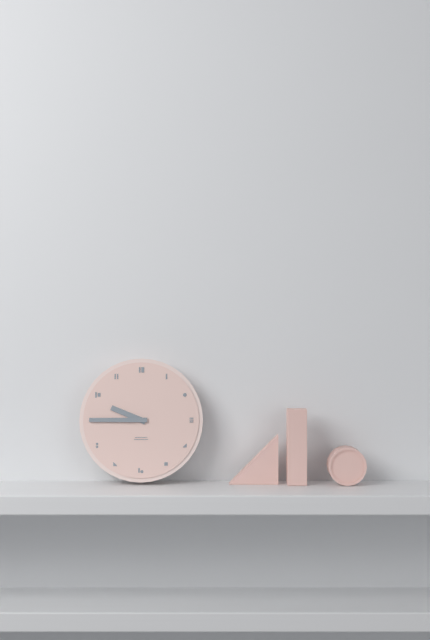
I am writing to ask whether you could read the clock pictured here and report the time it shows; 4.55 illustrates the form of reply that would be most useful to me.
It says 9.45
